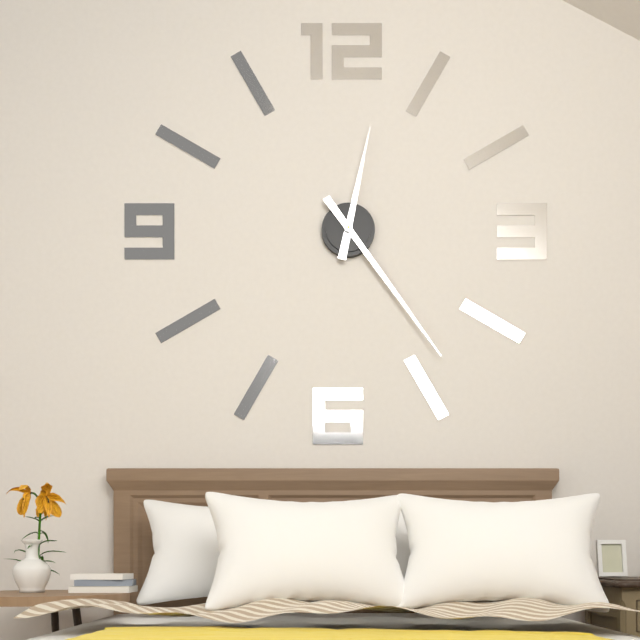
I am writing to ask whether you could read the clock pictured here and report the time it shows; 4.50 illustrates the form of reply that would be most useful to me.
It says 12.24
